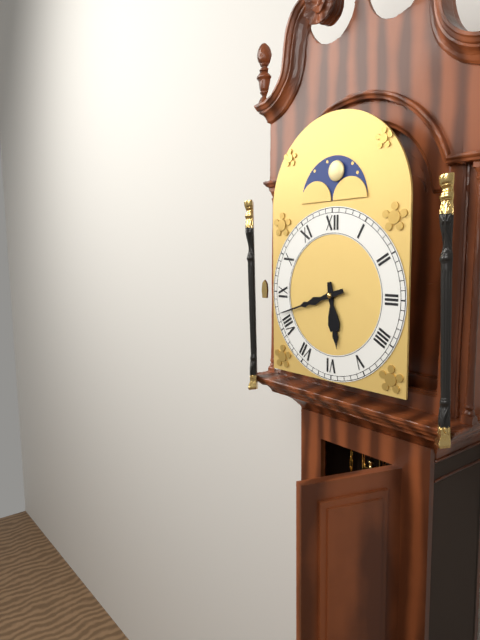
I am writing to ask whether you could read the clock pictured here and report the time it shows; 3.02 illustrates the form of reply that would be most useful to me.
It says 5.42
